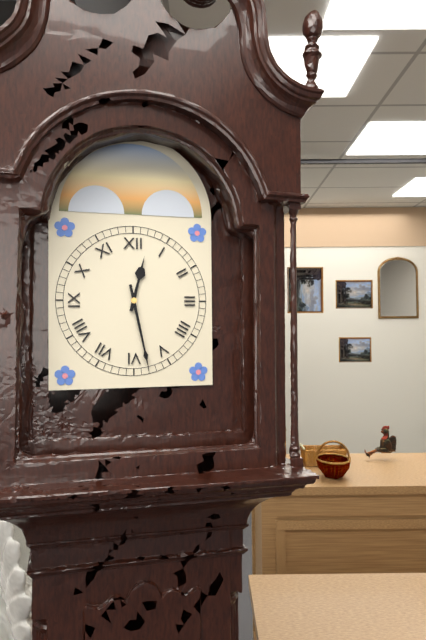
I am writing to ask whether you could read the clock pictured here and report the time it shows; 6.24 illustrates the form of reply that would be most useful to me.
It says 12.28
